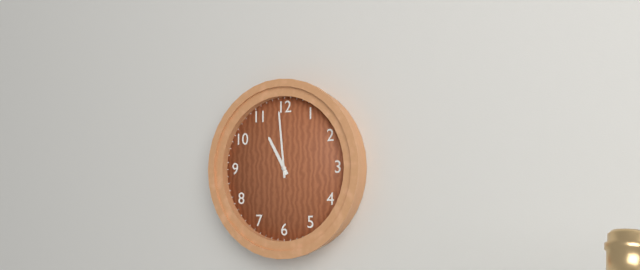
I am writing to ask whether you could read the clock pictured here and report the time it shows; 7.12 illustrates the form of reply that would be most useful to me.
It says 10.59
